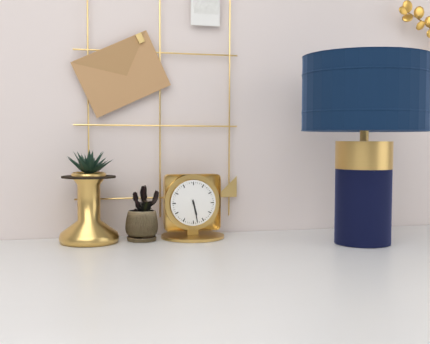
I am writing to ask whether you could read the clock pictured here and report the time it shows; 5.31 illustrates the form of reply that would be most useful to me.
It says 5.28
